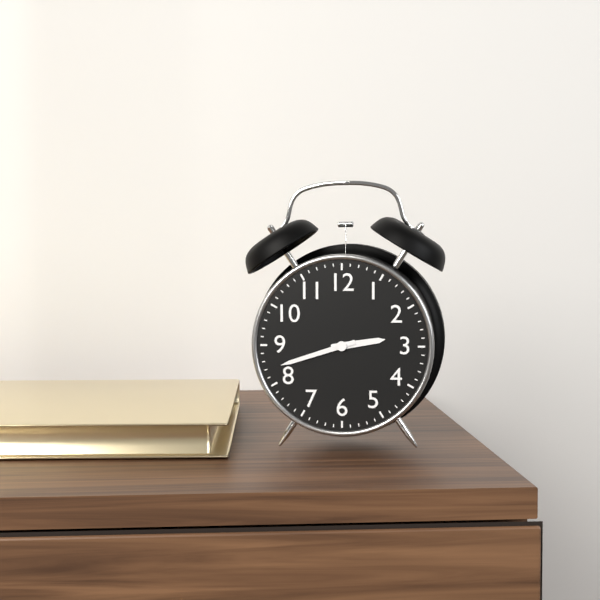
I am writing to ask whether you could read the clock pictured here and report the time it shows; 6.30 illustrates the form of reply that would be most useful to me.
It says 2.42
